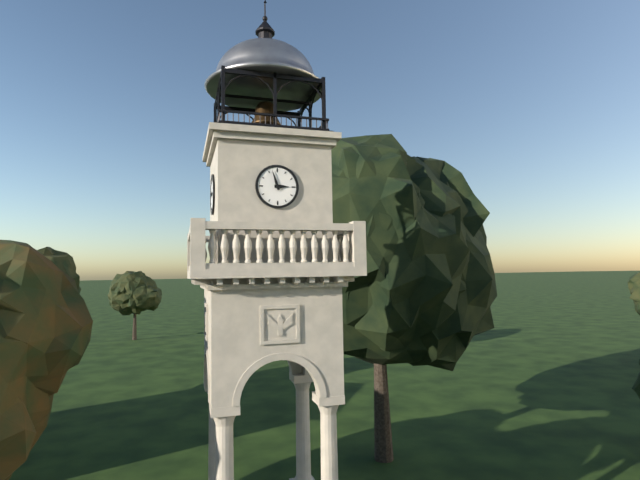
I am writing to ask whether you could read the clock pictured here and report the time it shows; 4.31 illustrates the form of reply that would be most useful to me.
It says 2.57
